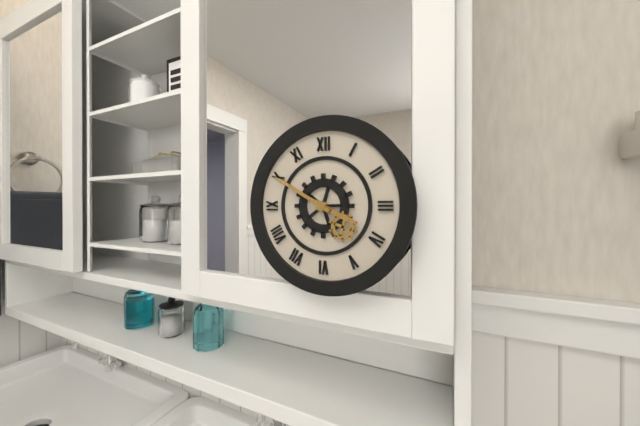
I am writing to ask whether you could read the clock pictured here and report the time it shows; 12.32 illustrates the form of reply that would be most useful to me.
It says 3.50
